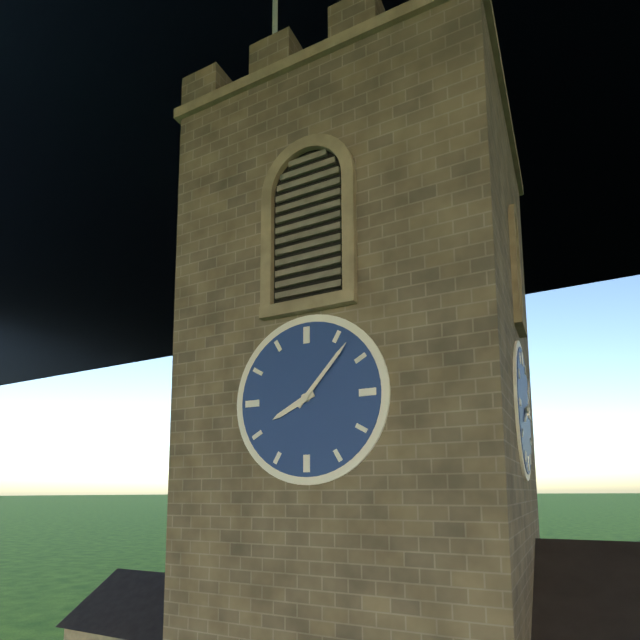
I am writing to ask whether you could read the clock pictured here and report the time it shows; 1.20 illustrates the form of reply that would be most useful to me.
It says 8.07
